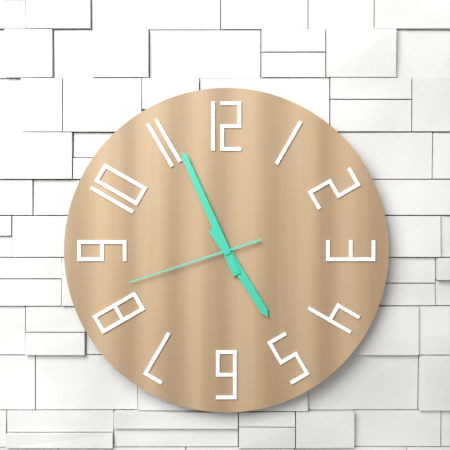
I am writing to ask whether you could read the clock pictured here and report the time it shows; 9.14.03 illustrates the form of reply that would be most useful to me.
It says 4.56.42
